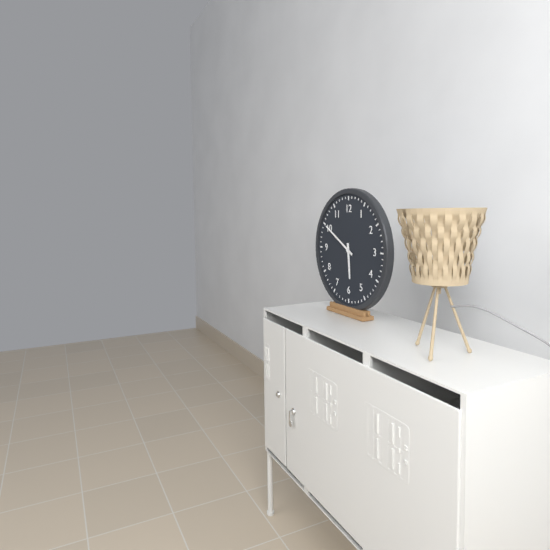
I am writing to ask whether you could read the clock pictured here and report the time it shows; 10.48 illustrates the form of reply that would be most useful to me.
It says 5.50
